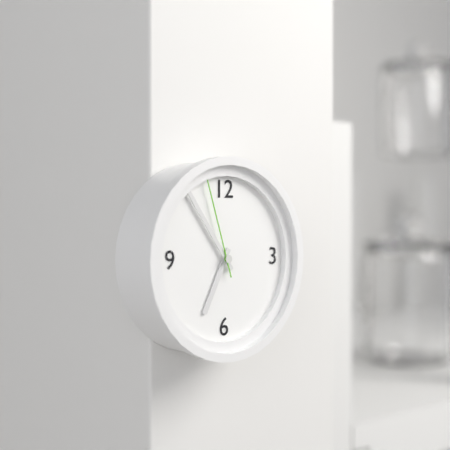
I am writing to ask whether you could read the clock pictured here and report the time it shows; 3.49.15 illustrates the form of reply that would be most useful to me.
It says 6.54.57
